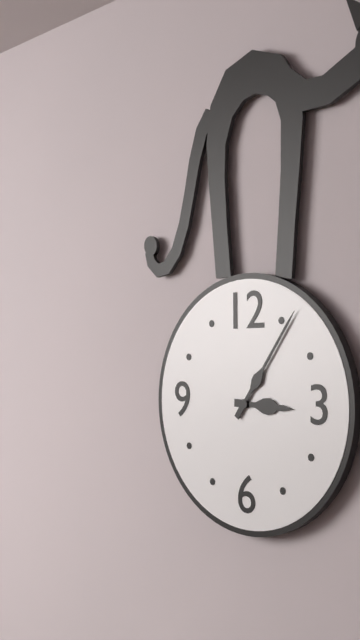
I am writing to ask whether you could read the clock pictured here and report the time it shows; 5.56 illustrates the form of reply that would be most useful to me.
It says 3.06
